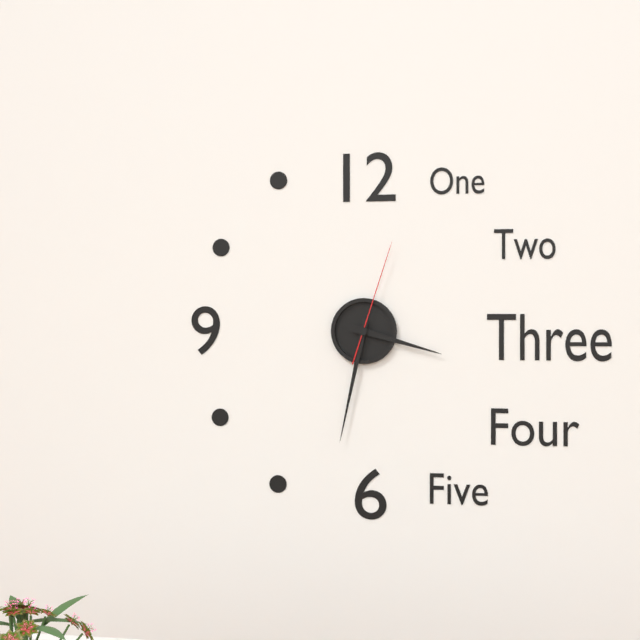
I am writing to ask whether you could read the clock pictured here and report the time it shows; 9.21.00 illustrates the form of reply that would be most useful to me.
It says 3.32.03
